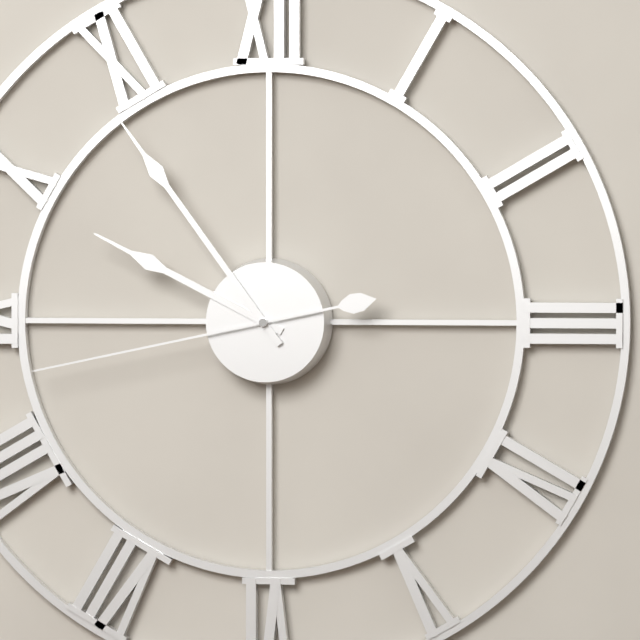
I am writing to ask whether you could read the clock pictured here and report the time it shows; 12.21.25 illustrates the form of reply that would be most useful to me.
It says 9.54.43
